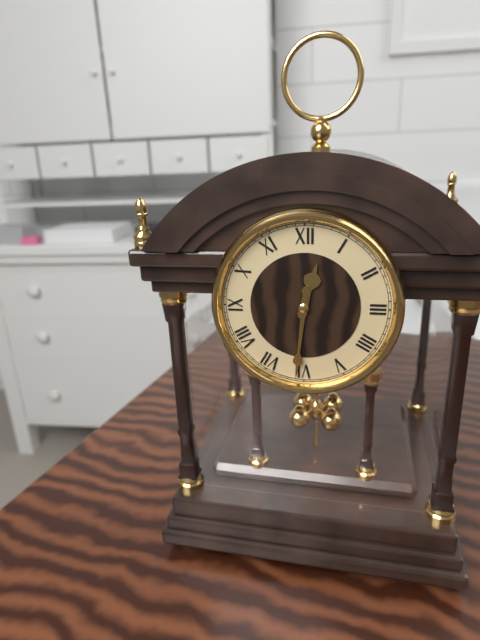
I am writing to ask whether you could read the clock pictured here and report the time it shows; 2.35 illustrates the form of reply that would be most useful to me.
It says 12.31
